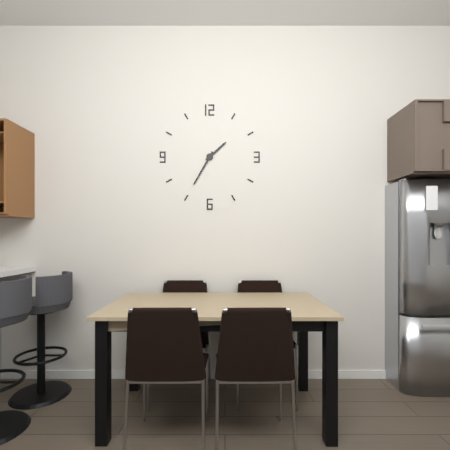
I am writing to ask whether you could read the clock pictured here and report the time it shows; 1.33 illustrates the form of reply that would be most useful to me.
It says 1.35
